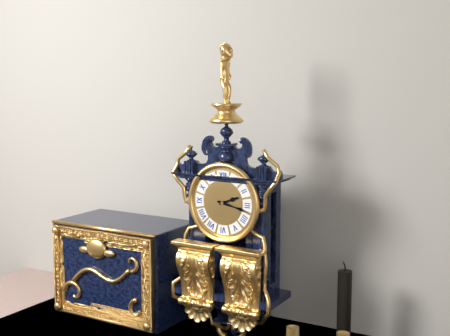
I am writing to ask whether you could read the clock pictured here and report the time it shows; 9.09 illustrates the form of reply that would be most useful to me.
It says 2.17
